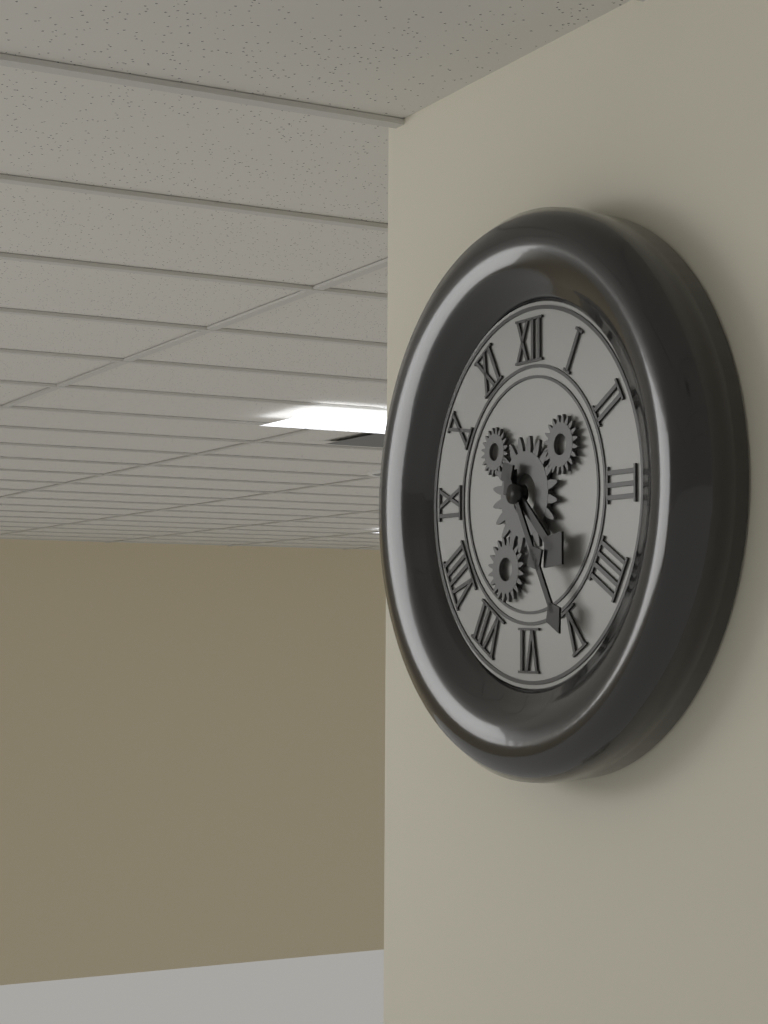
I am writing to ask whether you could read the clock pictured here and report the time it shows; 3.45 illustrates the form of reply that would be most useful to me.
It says 4.25
